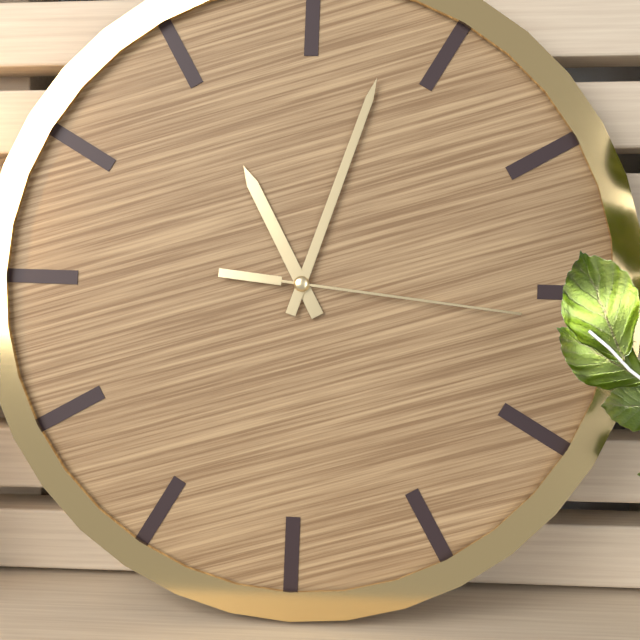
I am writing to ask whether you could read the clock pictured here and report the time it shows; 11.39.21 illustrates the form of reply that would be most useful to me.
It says 11.03.16
